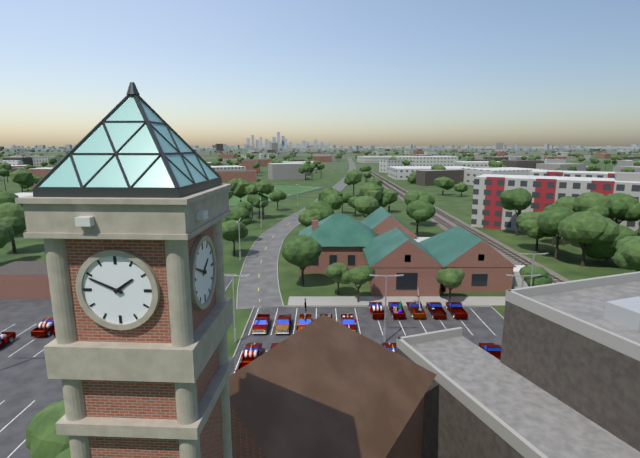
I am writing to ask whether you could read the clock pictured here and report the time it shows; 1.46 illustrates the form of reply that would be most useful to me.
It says 1.49
